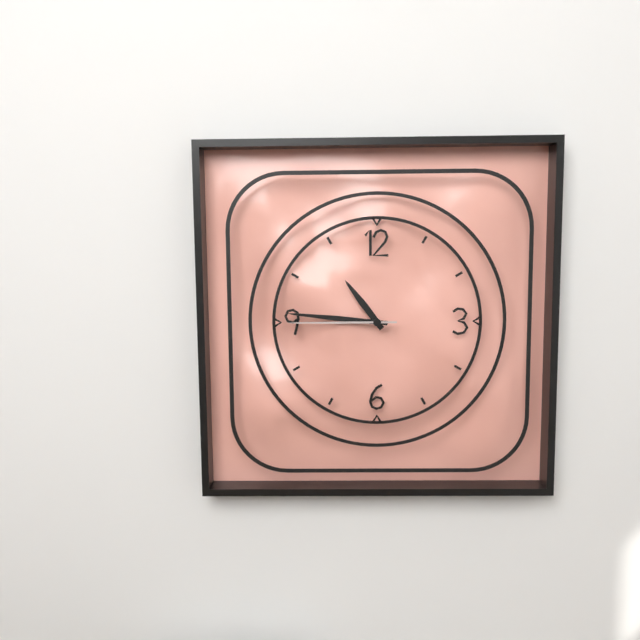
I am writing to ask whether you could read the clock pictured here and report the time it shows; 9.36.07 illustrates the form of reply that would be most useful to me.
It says 10.46.45
